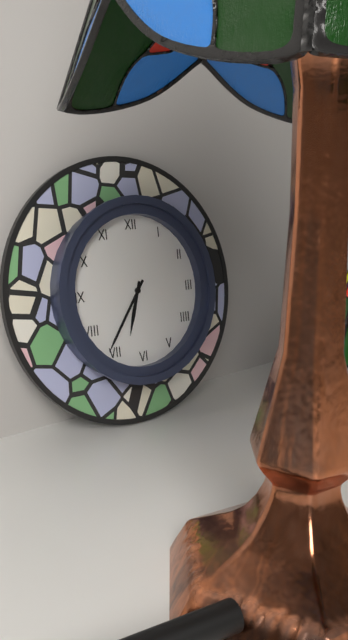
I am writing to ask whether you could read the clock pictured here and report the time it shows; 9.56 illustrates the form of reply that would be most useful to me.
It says 6.36
